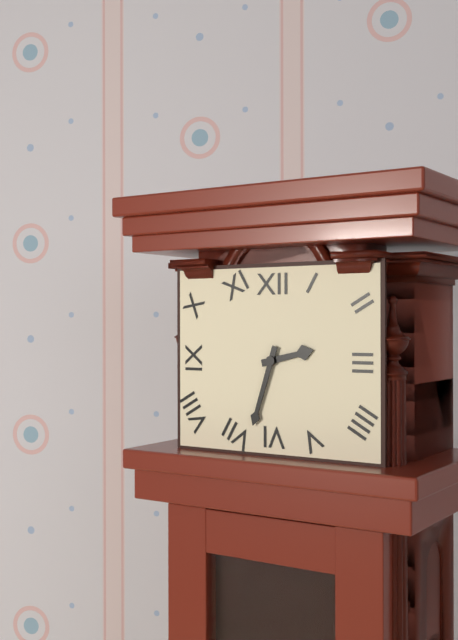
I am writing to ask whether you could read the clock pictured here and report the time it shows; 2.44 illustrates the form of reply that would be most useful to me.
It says 2.33
